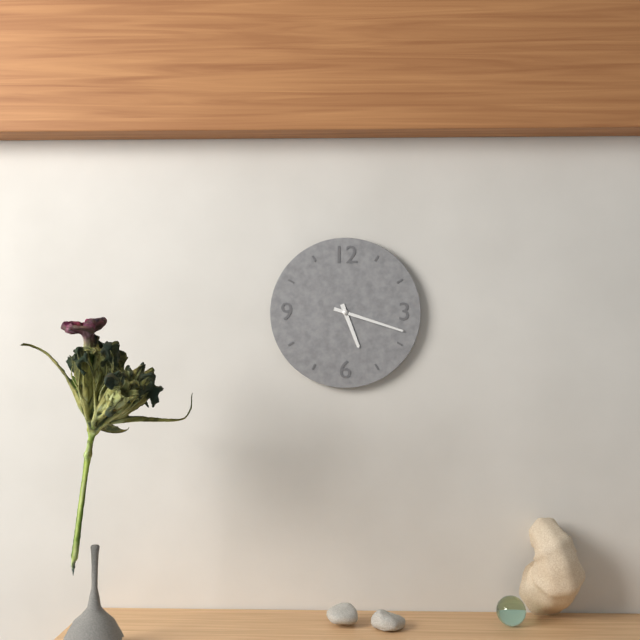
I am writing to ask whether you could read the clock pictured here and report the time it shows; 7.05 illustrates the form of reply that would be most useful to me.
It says 5.18
